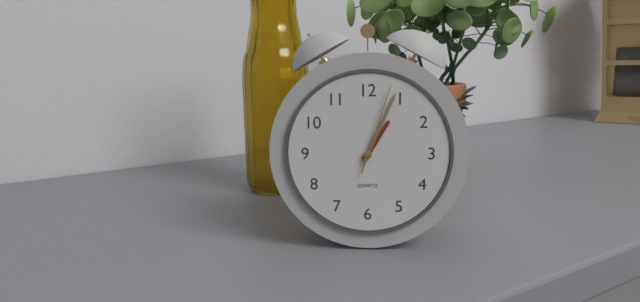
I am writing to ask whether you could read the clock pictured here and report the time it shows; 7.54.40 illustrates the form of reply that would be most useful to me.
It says 1.04.03
